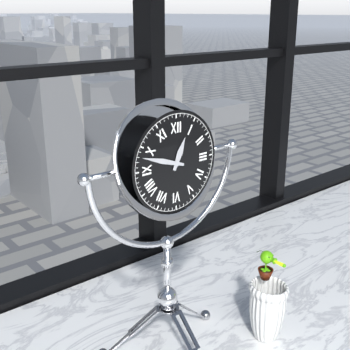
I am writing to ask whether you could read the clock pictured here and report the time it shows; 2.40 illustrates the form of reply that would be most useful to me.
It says 12.48
